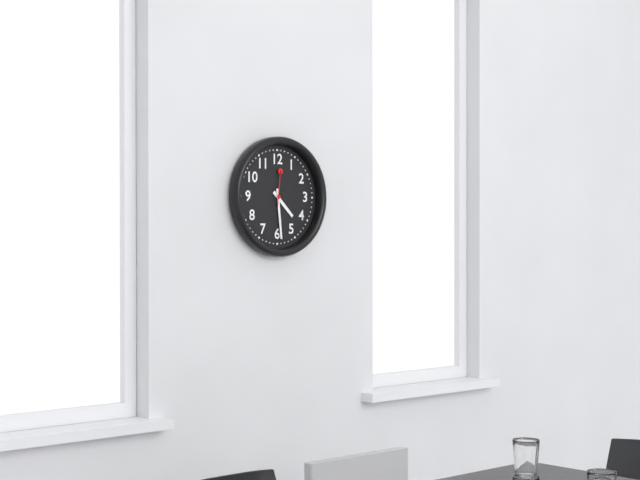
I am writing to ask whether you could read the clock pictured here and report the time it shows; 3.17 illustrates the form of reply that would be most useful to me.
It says 4.29
